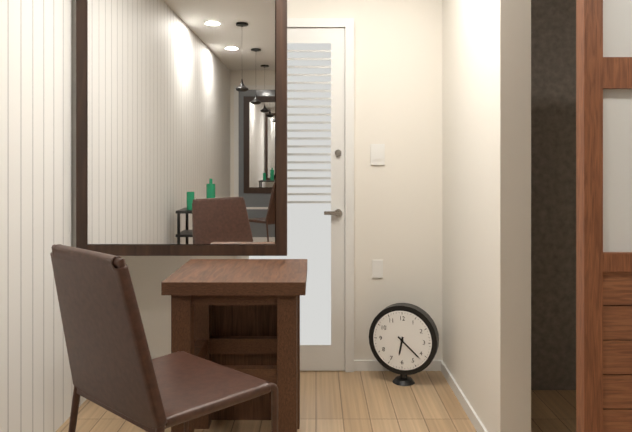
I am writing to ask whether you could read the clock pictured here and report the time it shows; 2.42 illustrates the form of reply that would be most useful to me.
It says 6.22
